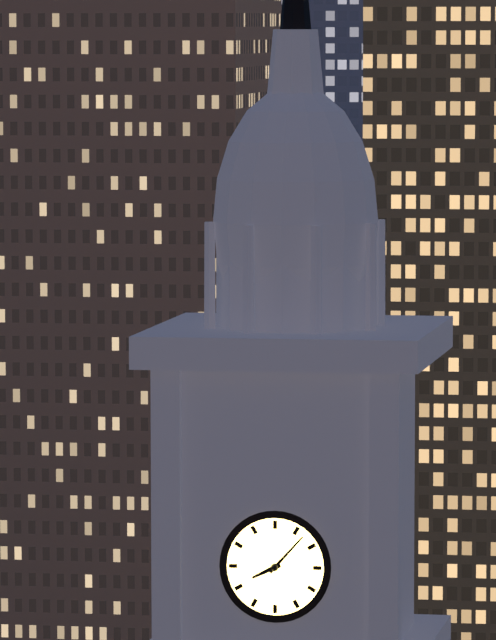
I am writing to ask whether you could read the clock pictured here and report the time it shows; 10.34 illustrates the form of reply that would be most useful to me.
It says 8.07
